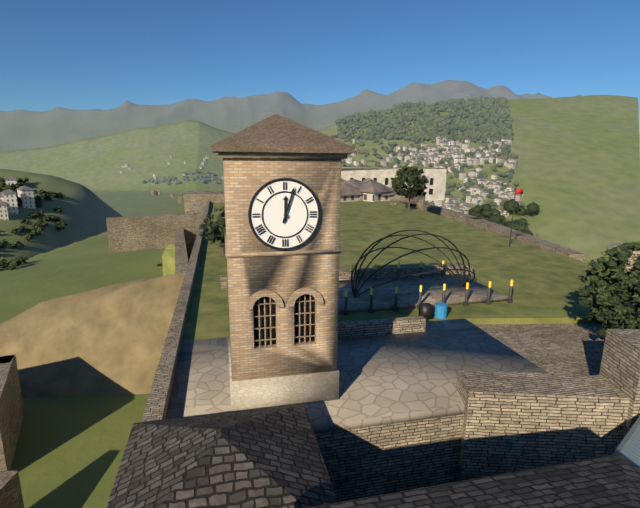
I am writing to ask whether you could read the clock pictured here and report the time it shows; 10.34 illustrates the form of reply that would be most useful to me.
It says 12.03
